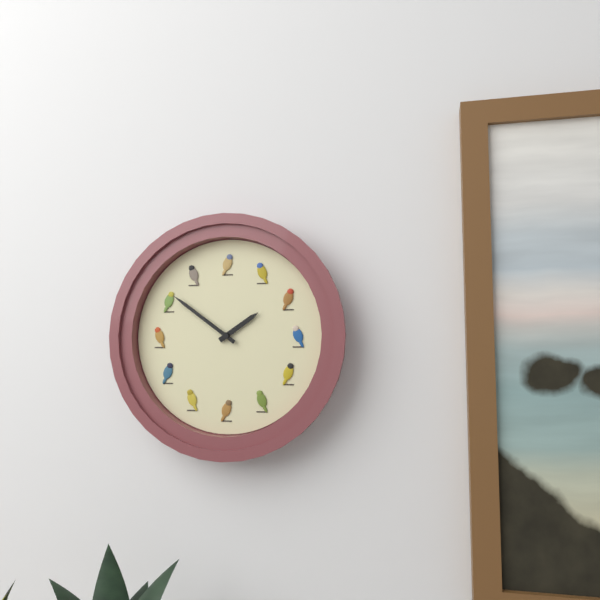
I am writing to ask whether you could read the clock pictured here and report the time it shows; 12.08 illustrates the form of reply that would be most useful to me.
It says 1.51
